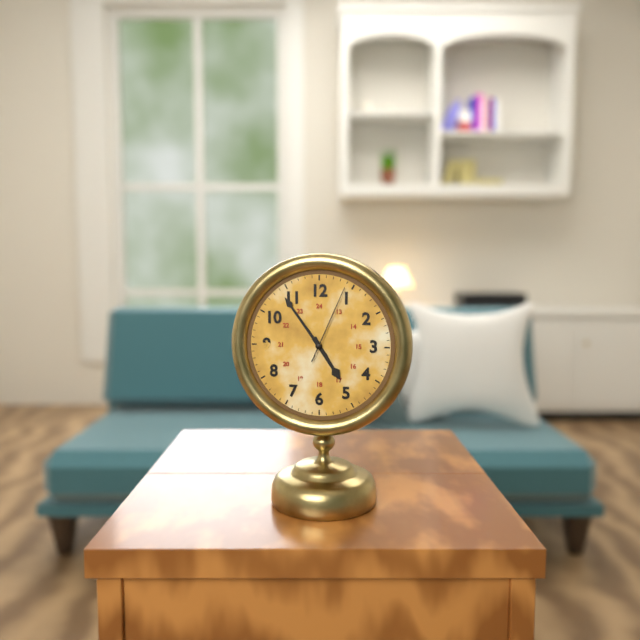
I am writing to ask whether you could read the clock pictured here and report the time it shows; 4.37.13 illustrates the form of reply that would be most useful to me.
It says 4.54.04
